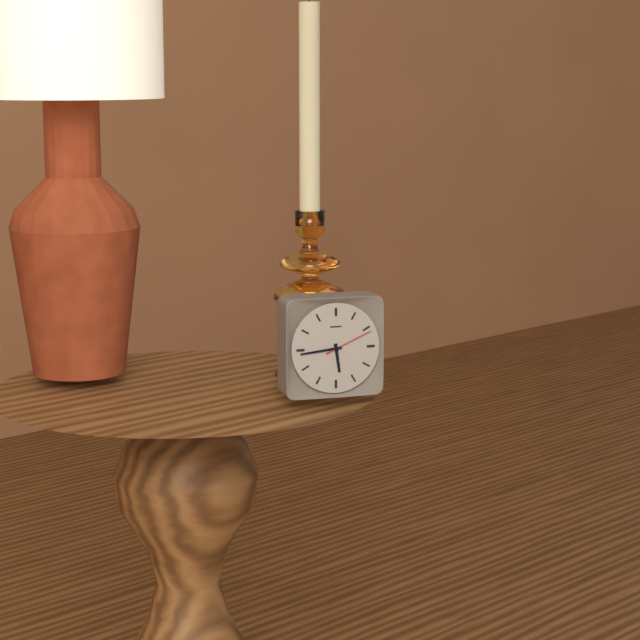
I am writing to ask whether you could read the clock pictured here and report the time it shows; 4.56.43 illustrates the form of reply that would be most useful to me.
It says 5.44.11
